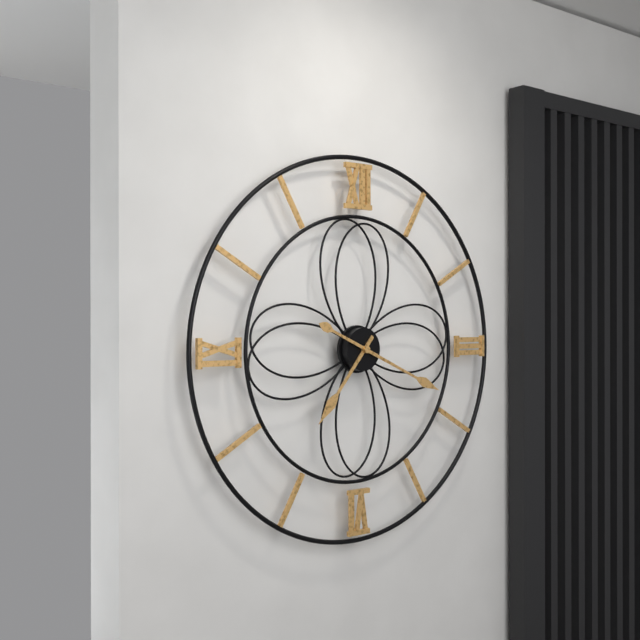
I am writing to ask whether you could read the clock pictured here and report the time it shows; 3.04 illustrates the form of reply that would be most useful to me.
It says 7.19
